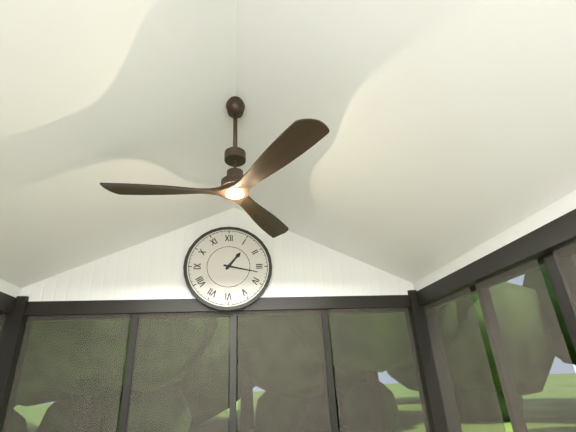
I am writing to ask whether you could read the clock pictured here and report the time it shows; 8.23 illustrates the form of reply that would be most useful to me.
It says 1.17
